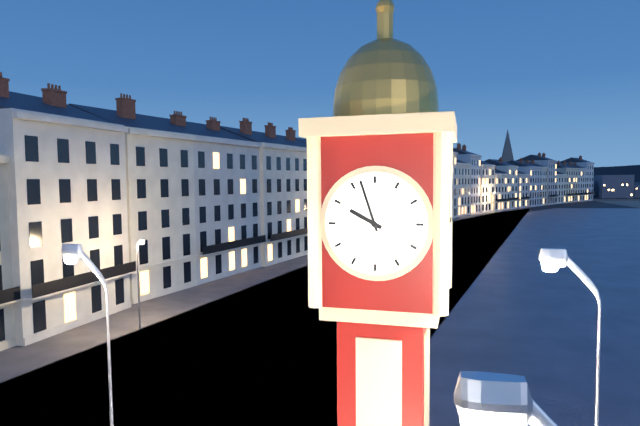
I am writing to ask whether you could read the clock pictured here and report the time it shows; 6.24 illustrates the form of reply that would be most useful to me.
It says 9.57
